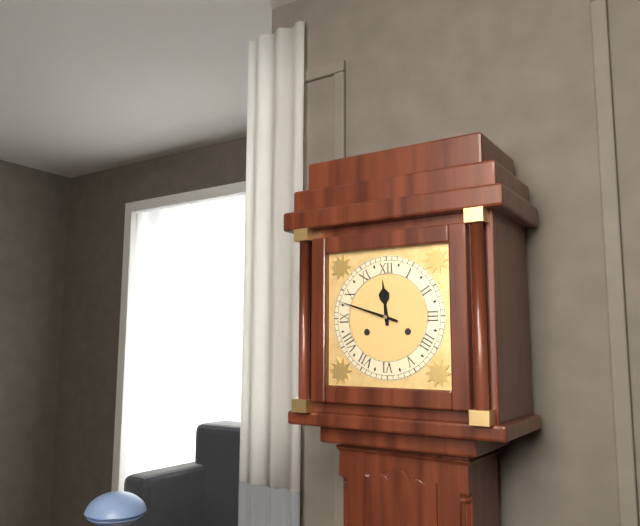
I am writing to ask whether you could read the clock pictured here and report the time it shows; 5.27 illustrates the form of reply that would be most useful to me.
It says 11.48
